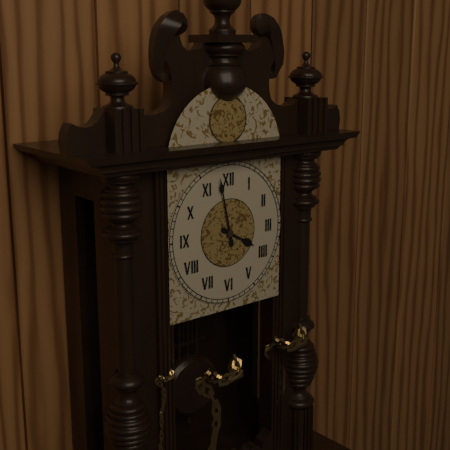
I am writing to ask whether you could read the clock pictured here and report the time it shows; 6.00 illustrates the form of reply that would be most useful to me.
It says 3.58
